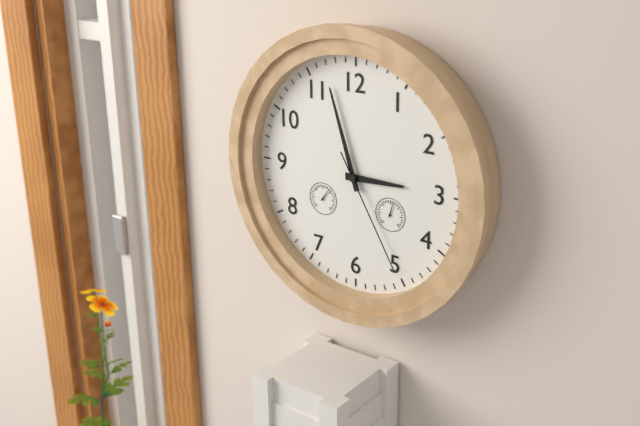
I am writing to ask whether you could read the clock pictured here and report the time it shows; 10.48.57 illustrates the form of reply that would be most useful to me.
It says 2.57.25
